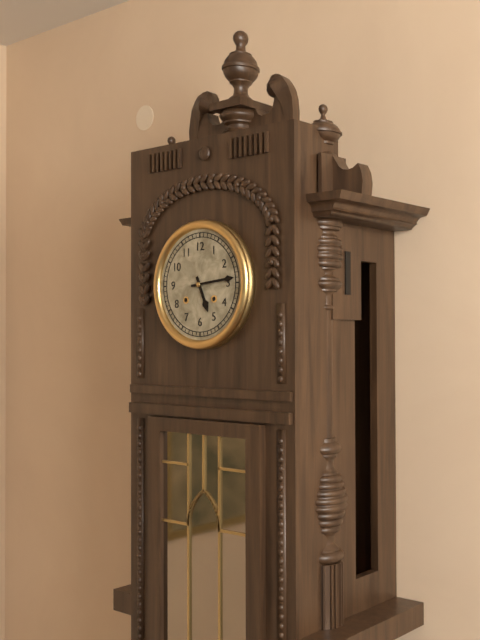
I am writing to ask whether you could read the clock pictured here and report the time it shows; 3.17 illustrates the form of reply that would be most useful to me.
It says 5.14
